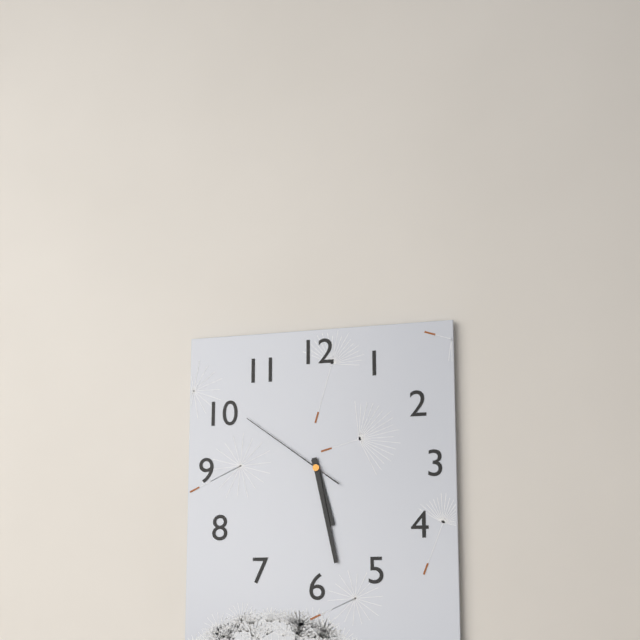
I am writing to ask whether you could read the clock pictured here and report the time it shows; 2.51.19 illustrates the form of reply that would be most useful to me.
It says 5.28.51
